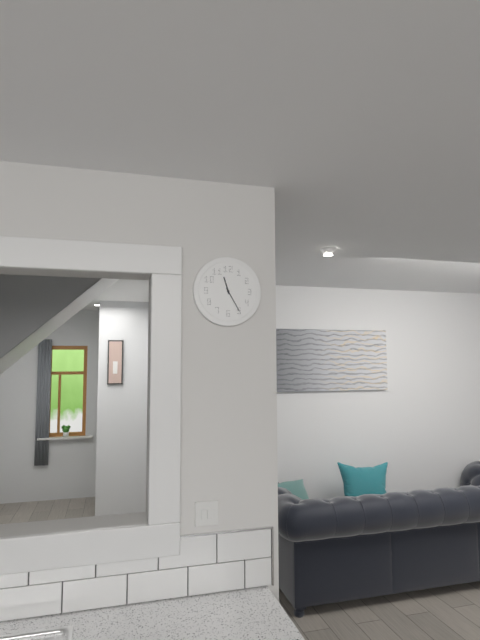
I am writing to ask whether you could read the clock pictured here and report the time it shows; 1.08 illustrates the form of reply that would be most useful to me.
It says 11.25
